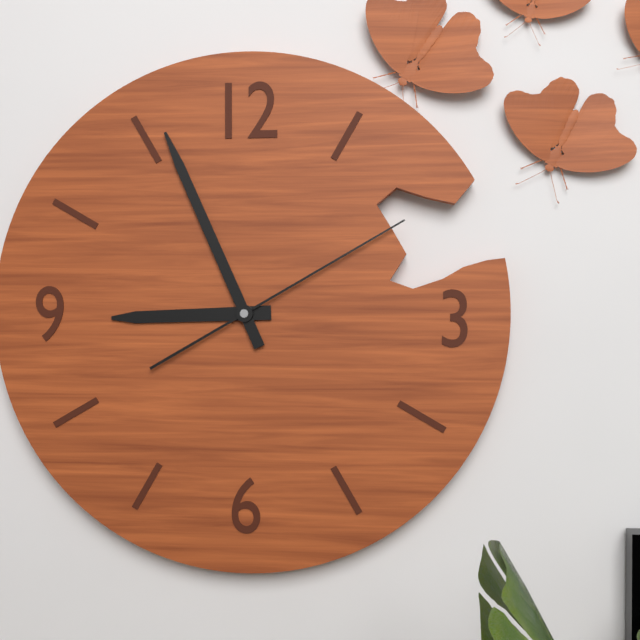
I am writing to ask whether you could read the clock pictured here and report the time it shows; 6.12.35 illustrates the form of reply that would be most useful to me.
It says 8.56.10
